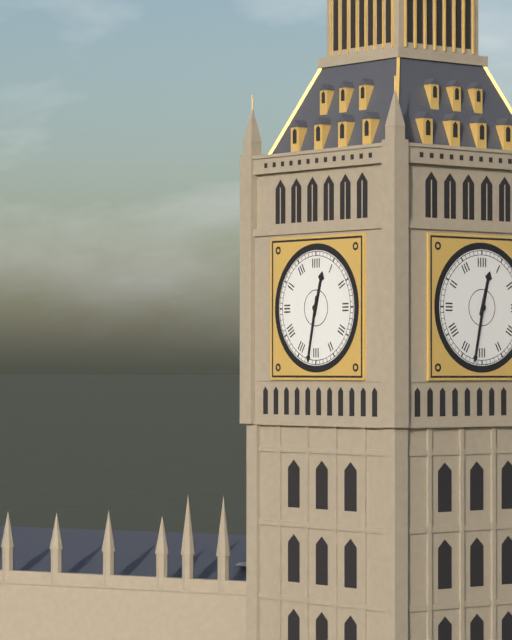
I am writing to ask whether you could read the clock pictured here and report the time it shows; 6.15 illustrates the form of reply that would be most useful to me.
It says 12.32
